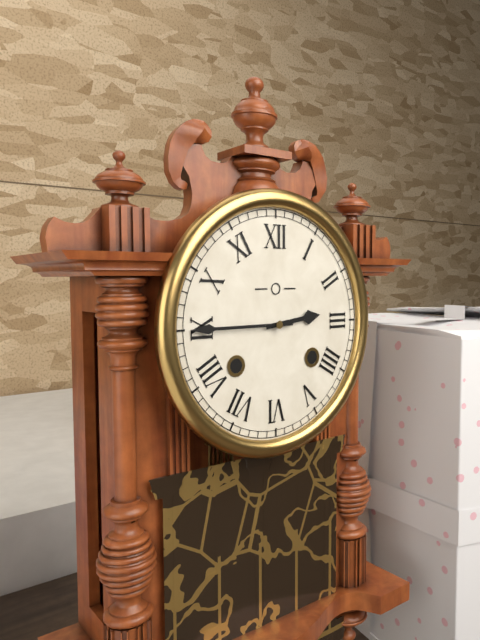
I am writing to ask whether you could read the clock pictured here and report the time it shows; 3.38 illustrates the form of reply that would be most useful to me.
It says 2.45
